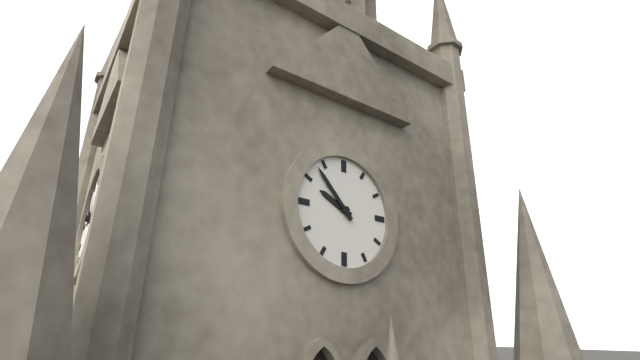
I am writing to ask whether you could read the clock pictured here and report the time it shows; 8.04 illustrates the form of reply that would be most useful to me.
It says 9.53
